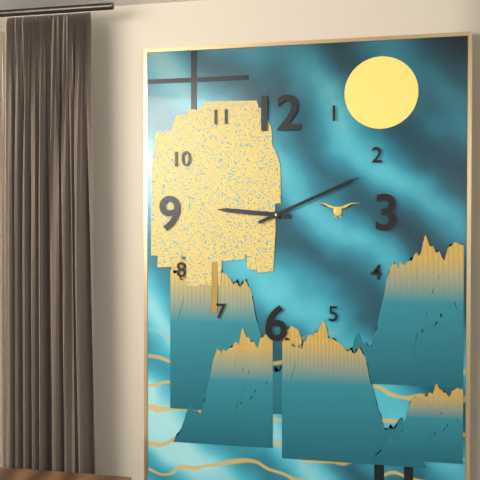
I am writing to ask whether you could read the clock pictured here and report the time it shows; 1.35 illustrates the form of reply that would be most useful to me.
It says 9.11
